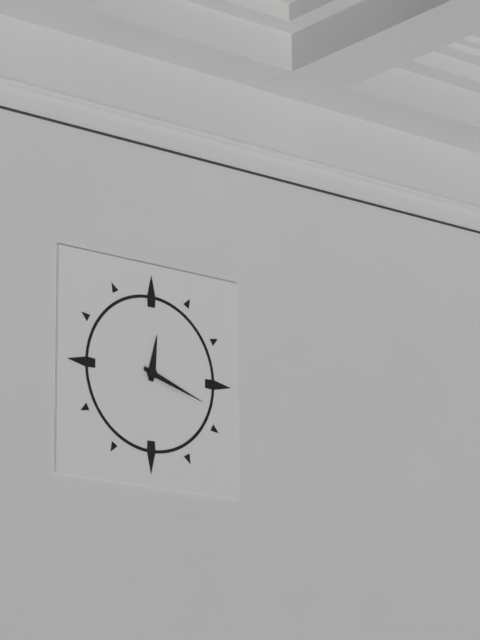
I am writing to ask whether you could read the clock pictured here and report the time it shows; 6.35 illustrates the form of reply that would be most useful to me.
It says 12.18
